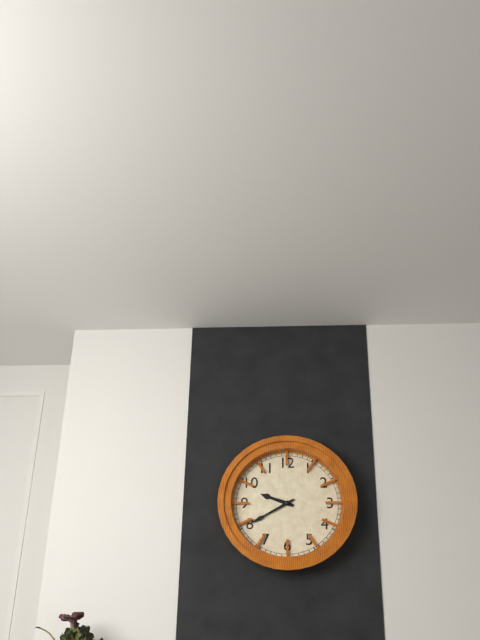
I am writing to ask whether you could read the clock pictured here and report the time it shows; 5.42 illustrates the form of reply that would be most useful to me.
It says 9.40
